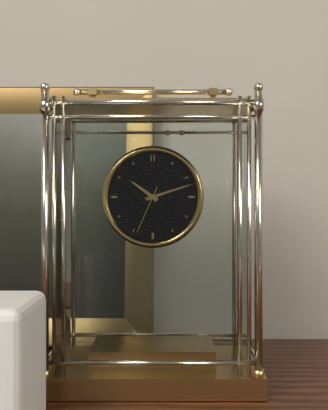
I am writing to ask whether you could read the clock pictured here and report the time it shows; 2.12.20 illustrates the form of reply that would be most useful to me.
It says 10.12.34
